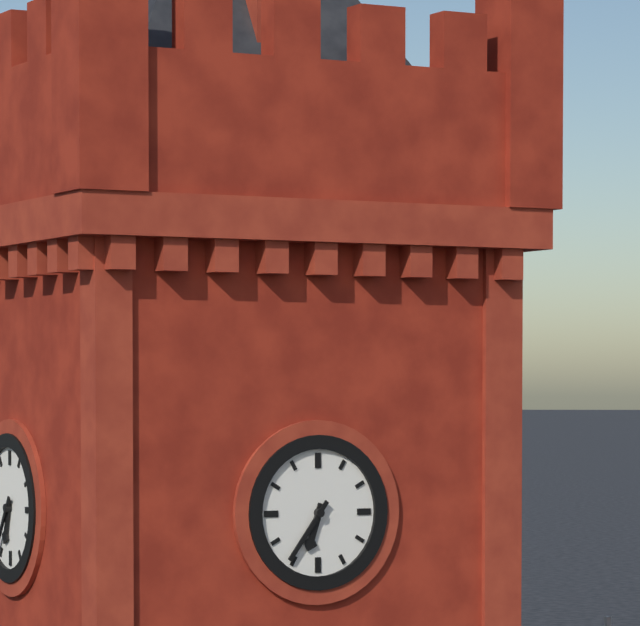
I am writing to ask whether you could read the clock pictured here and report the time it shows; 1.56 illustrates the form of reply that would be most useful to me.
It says 6.36
